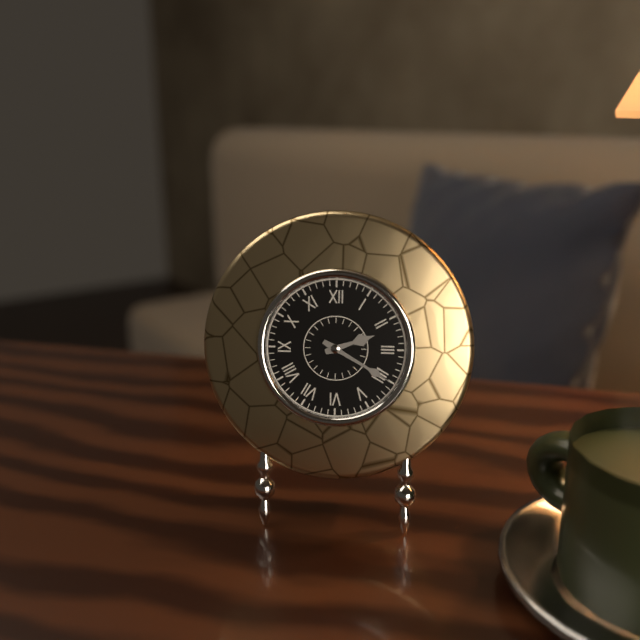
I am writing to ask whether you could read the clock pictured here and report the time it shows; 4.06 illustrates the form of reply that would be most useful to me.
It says 2.20
